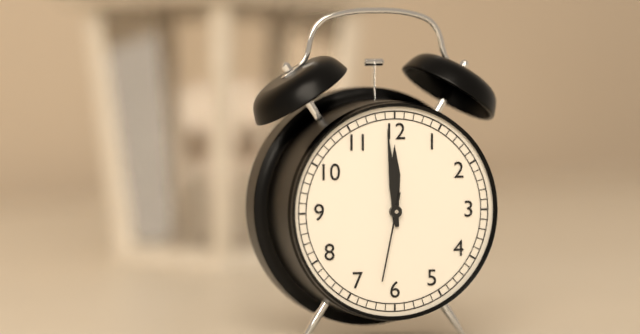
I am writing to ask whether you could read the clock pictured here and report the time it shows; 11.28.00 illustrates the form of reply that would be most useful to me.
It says 11.59.32
